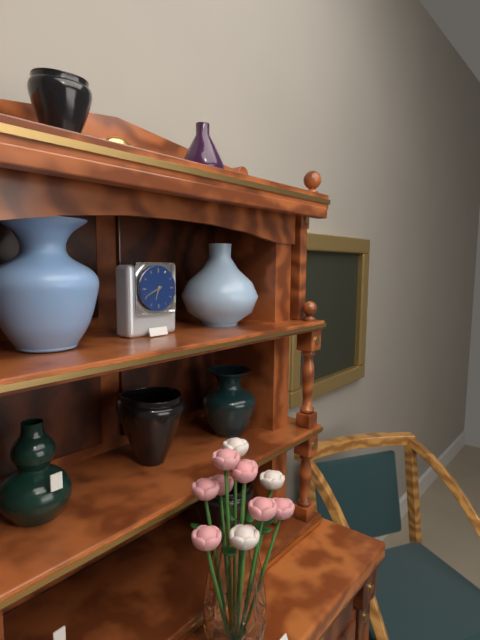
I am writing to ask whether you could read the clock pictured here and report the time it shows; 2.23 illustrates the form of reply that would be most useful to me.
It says 6.41
